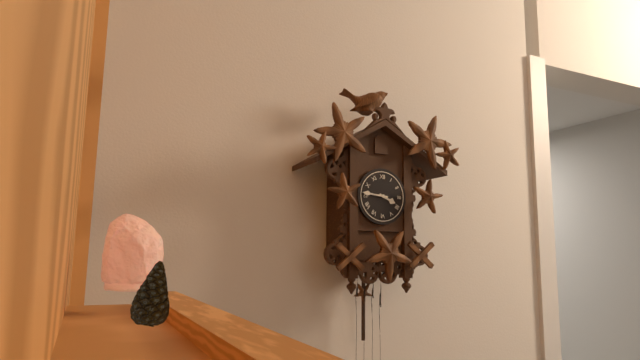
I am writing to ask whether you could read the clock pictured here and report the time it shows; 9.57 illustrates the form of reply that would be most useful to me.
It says 3.46
